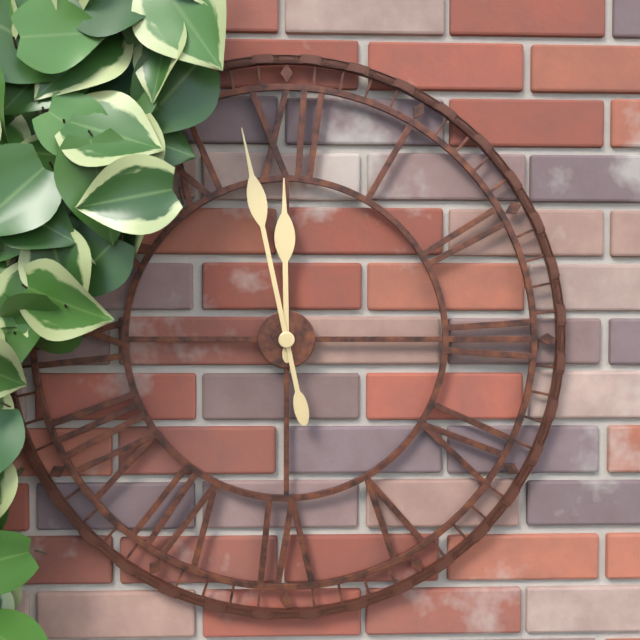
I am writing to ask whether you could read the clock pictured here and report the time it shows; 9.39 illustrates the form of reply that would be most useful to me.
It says 11.58
